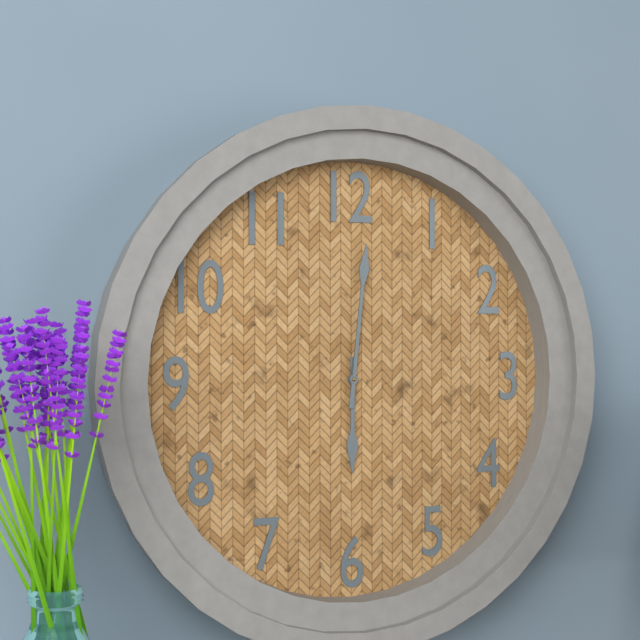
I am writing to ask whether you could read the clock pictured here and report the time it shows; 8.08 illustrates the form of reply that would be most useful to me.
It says 6.01
